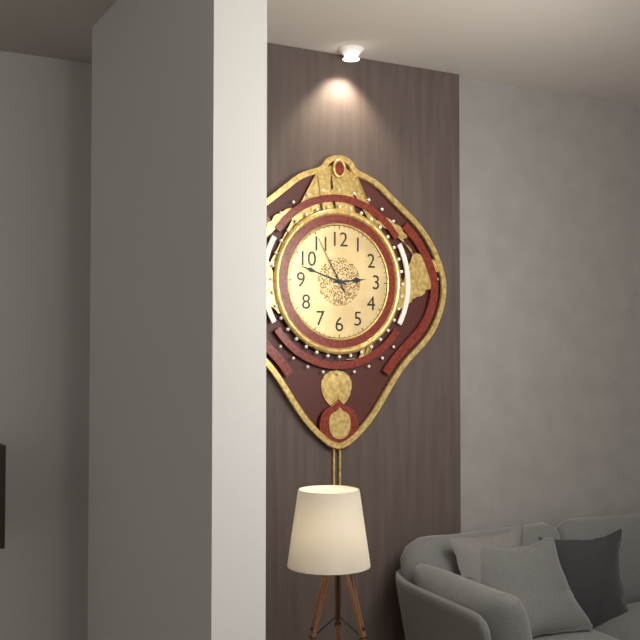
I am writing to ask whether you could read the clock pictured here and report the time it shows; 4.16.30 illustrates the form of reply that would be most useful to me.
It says 2.48.55
